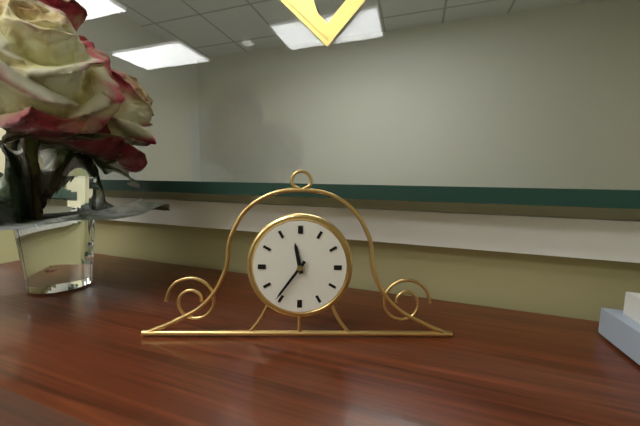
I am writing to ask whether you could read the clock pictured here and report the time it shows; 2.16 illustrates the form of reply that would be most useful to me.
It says 11.36
